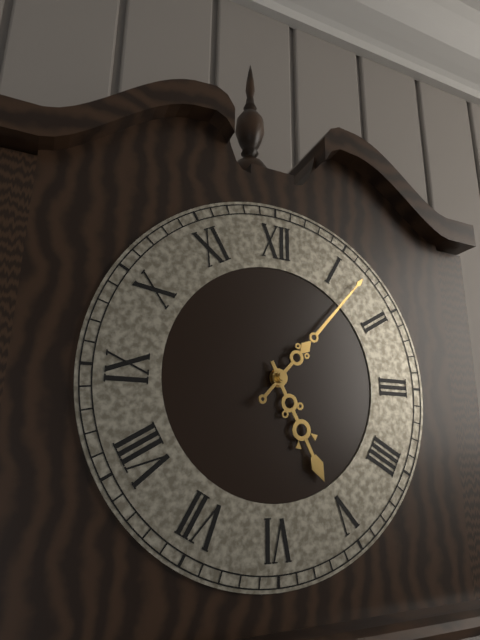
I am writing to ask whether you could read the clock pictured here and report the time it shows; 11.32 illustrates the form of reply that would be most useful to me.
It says 5.07
